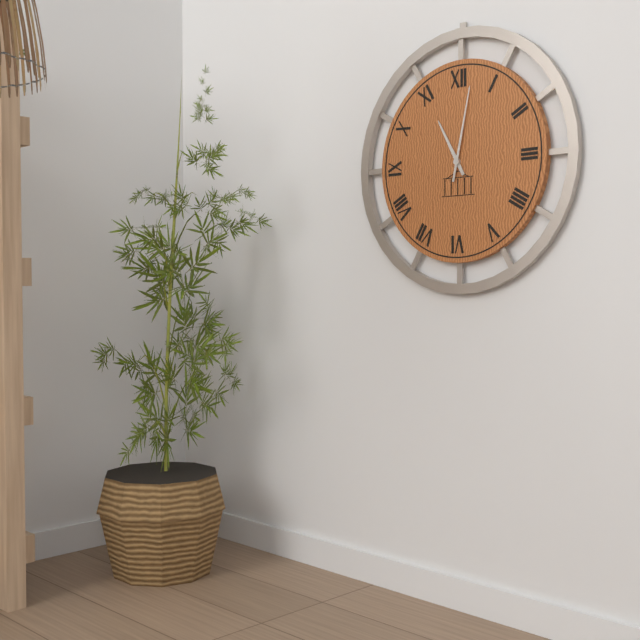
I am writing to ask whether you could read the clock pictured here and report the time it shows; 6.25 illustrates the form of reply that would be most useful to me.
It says 11.02
